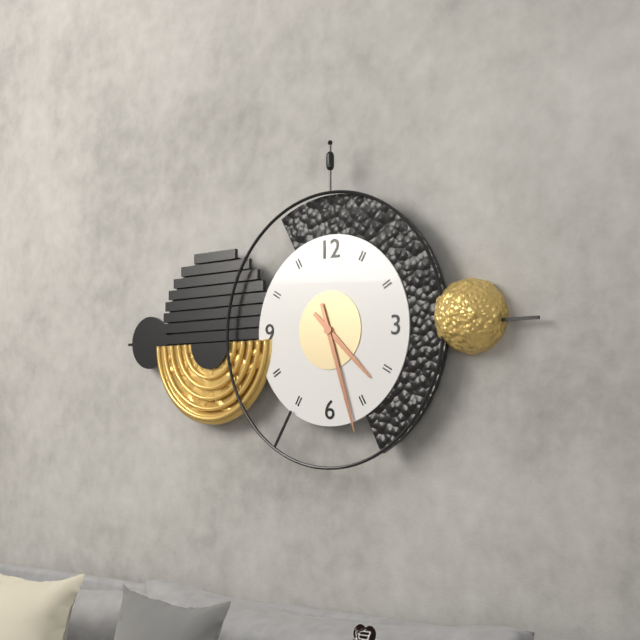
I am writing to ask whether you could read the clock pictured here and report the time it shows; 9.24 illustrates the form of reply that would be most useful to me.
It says 4.27
